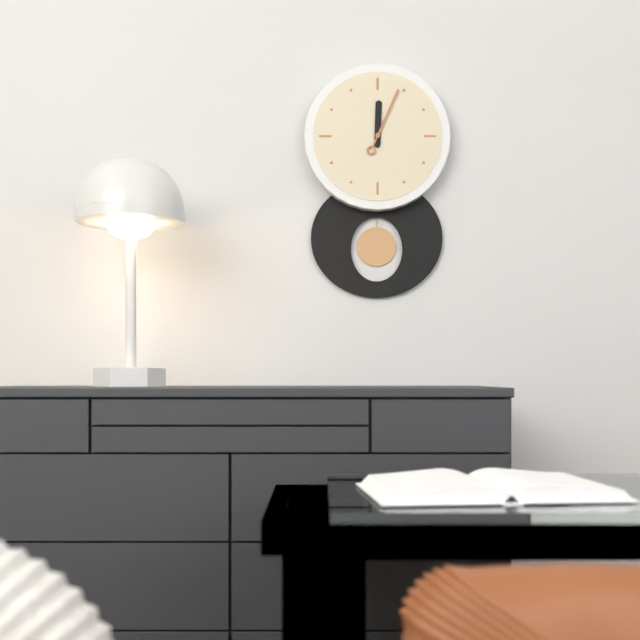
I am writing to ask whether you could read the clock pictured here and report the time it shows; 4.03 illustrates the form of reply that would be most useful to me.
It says 12.04
